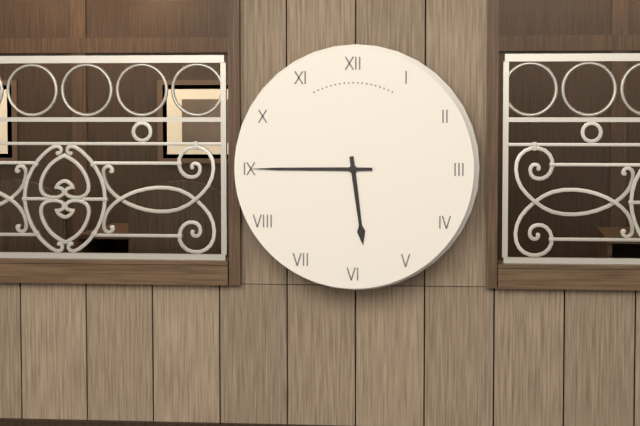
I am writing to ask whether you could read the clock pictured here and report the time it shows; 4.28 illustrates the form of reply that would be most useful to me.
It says 5.45
